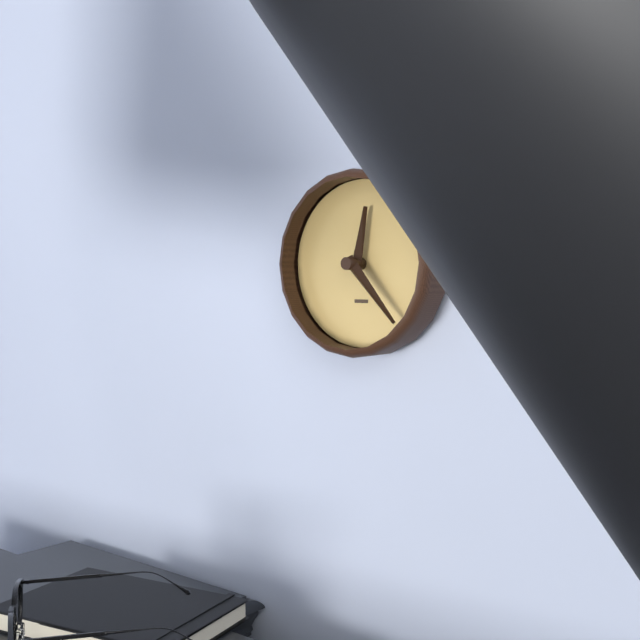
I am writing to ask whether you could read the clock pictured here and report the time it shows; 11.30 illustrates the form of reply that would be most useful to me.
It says 12.23
